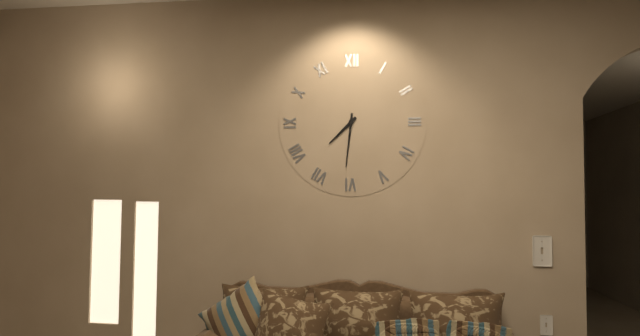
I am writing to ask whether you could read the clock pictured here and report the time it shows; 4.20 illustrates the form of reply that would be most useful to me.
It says 7.31
